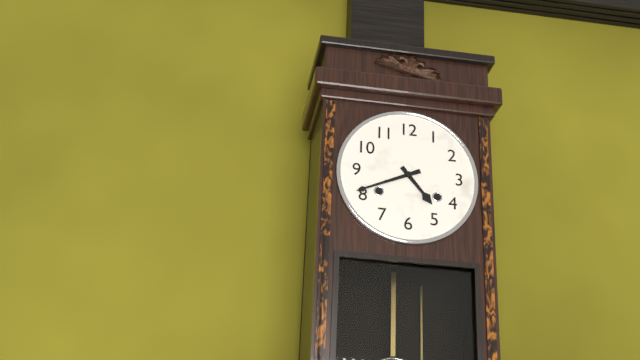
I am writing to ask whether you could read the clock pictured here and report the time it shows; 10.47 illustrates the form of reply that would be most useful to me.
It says 4.41
